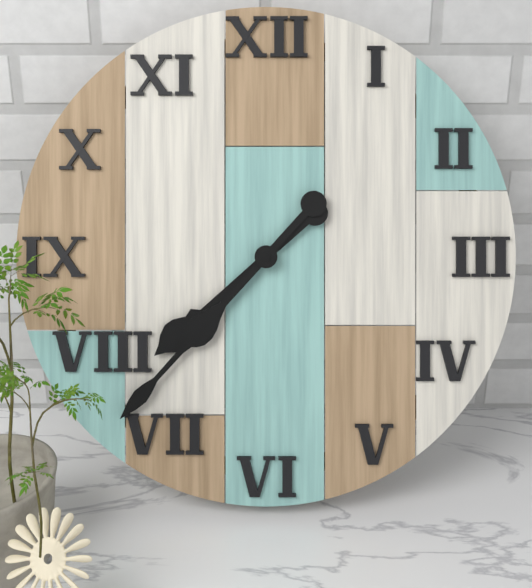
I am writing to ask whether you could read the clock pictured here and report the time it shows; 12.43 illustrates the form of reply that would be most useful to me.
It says 7.37
